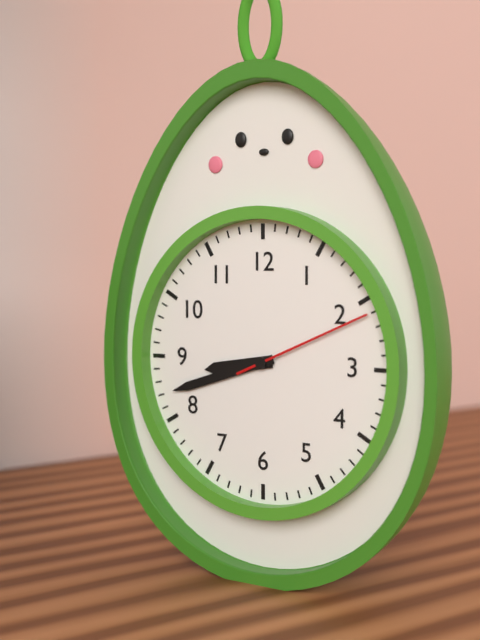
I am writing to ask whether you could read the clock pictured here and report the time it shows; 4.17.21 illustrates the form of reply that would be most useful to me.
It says 8.42.11
